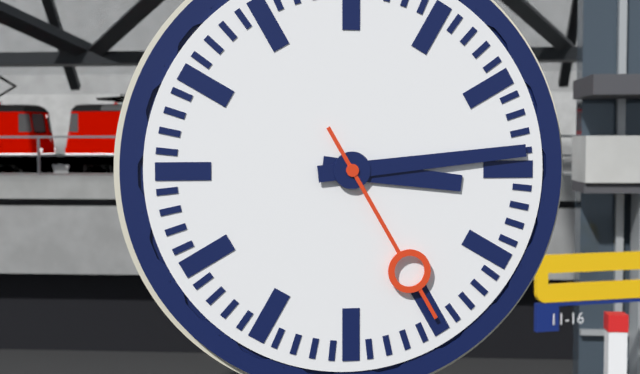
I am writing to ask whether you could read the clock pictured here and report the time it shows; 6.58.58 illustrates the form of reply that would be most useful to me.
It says 3.14.25
